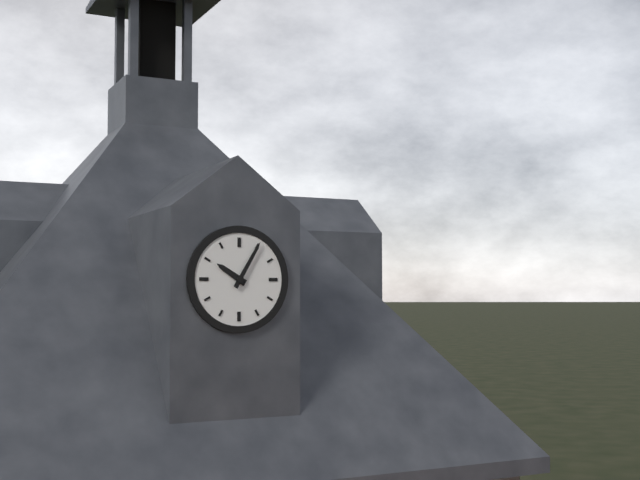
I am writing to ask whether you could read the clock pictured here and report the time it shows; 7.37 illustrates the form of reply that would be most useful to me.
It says 10.05
